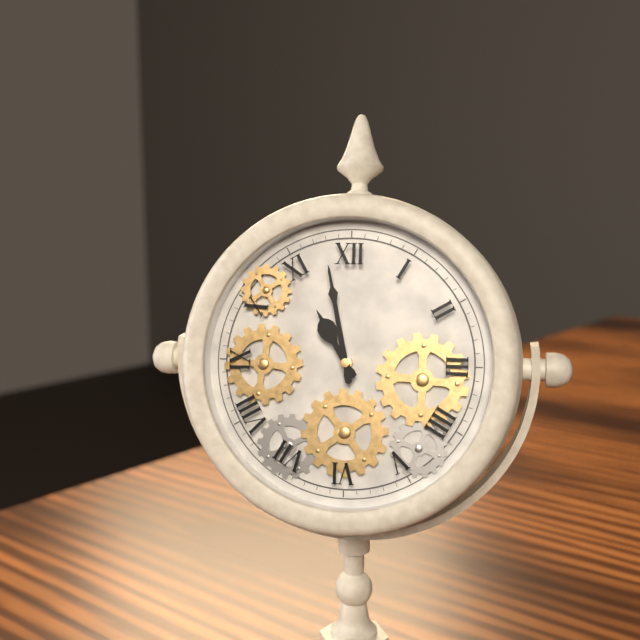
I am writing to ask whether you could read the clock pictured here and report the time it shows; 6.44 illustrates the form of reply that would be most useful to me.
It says 10.58
